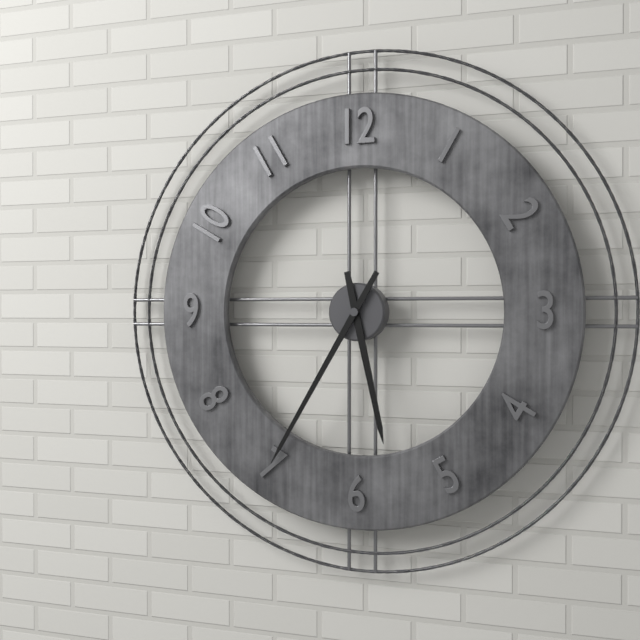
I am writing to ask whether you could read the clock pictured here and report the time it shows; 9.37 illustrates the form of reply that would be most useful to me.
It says 5.35
